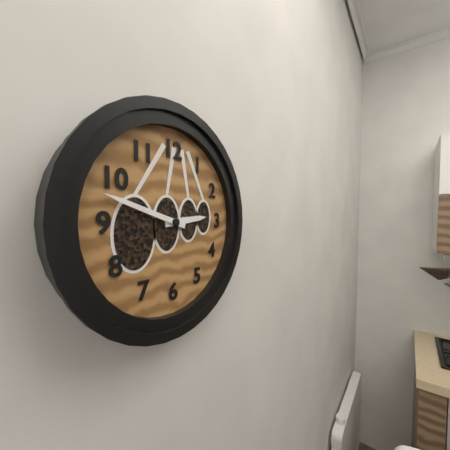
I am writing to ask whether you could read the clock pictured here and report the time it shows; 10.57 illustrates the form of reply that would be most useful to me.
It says 2.48
